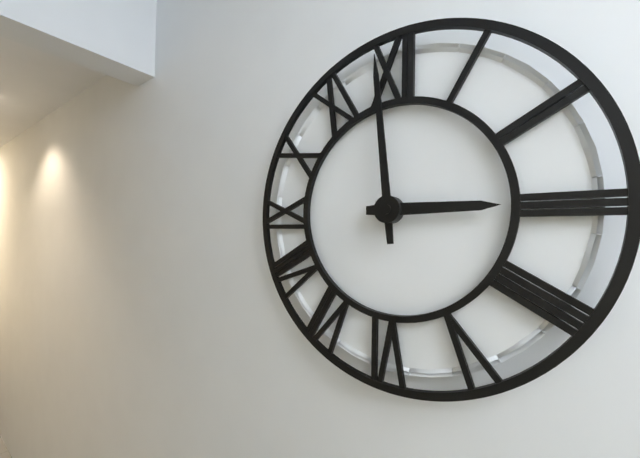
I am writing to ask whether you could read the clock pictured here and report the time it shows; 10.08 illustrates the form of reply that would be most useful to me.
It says 2.59
